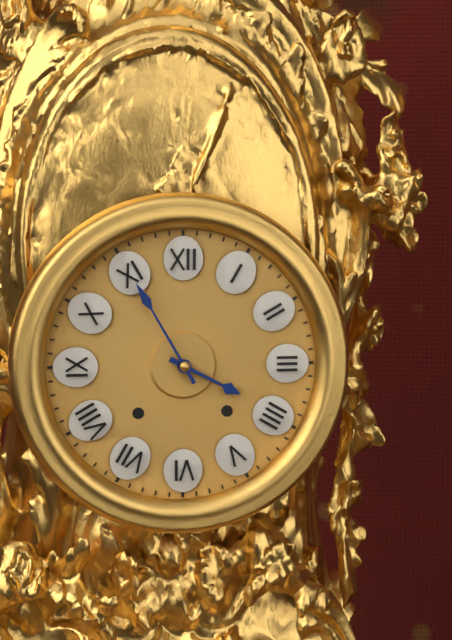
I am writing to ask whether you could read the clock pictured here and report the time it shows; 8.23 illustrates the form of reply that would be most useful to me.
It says 3.55
